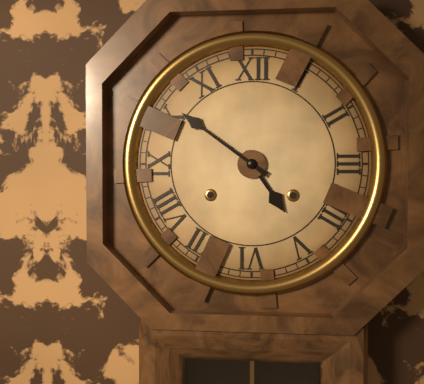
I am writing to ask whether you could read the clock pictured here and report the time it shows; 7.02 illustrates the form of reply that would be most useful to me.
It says 4.51
